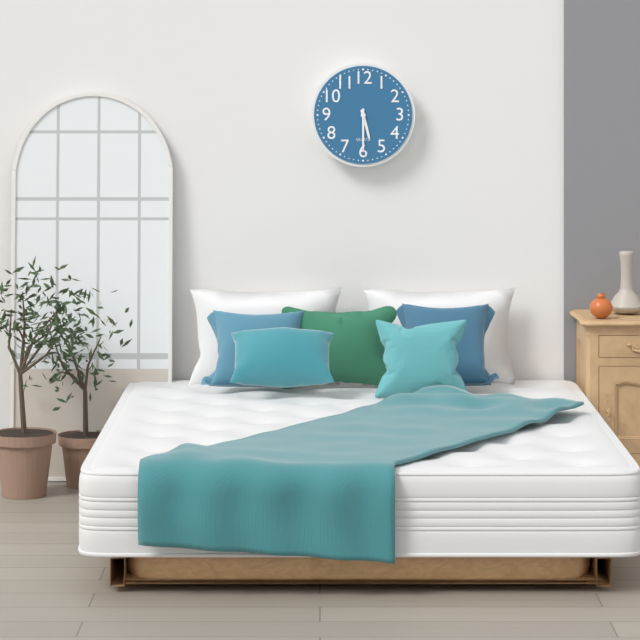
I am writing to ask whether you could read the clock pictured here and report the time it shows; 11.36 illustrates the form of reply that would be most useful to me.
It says 5.30
